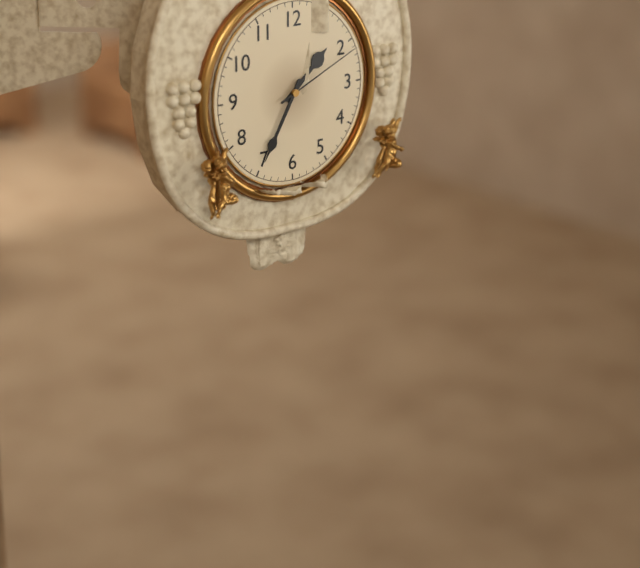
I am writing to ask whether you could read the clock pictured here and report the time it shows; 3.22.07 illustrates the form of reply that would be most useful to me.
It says 1.35.11
